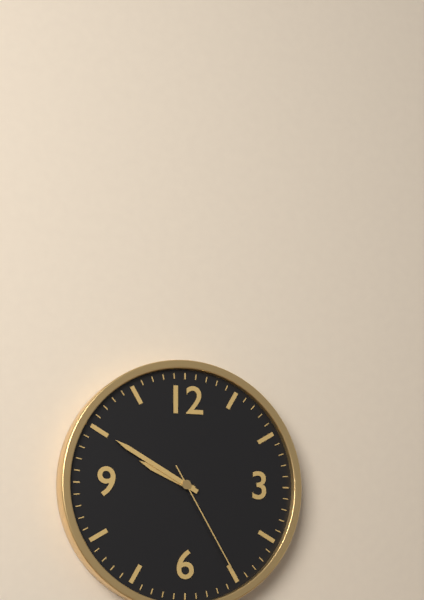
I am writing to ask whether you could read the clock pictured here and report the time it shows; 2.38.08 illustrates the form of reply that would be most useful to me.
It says 9.50.25
